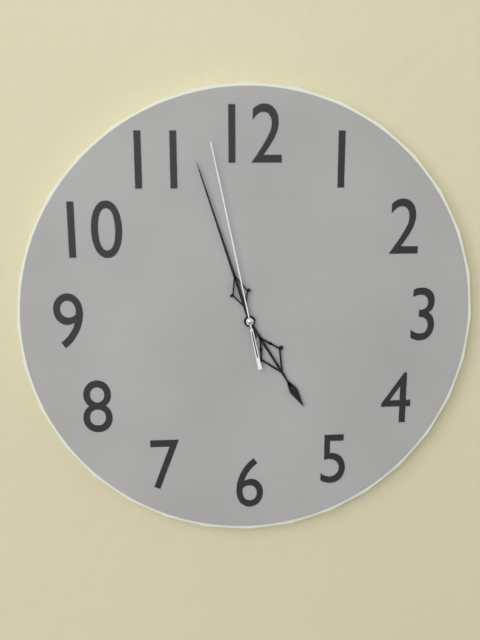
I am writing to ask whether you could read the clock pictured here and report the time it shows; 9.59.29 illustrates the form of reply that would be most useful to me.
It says 4.57.58
